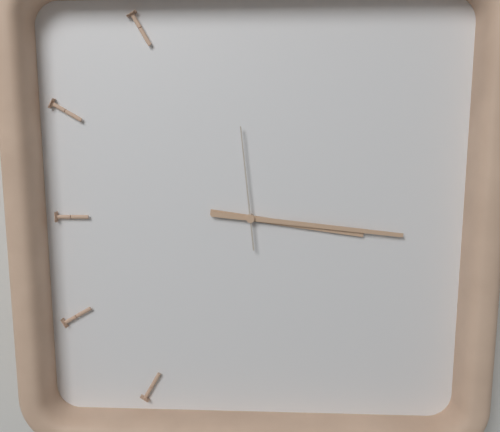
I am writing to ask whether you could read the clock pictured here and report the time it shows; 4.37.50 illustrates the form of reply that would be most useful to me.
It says 3.16.59
